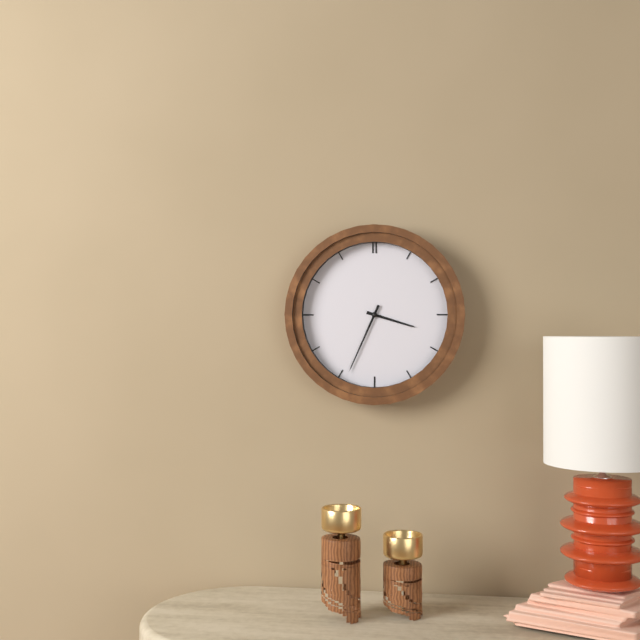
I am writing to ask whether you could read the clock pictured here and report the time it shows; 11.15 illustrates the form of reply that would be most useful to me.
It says 3.34
